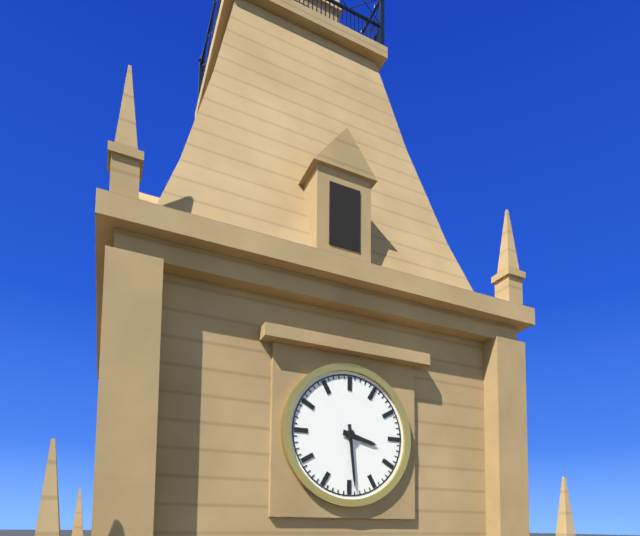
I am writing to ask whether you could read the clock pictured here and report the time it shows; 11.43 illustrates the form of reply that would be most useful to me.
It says 3.29
